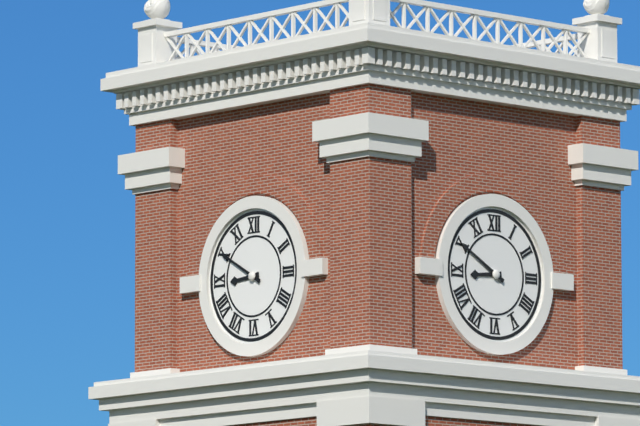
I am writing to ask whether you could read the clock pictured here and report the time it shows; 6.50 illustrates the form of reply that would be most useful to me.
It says 8.50
